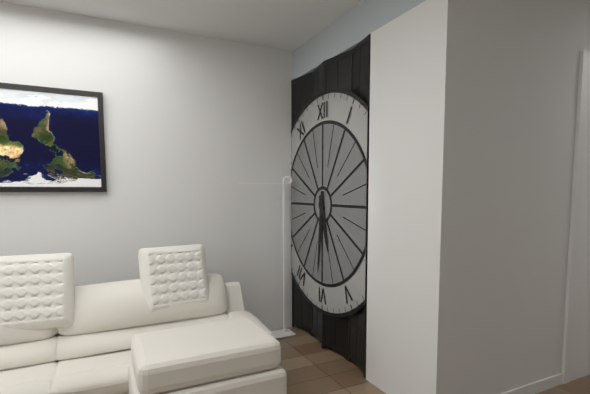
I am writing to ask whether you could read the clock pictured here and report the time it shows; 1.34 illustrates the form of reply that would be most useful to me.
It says 5.31
